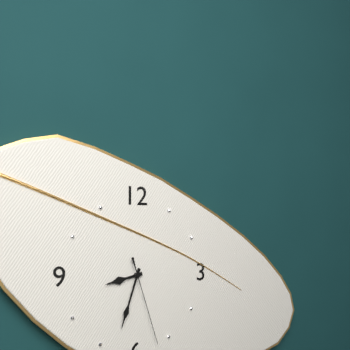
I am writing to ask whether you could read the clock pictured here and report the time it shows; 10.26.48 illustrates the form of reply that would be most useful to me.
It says 8.33.27
